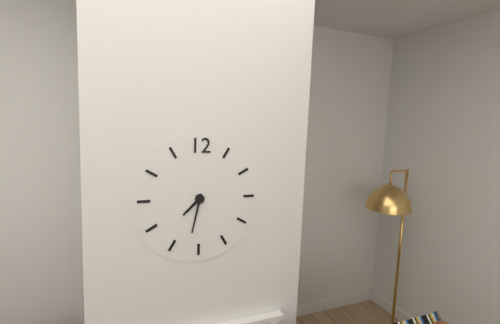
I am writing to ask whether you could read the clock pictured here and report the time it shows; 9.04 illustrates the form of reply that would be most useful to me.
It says 7.32
